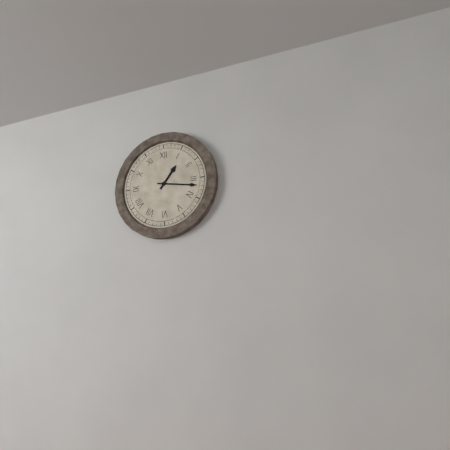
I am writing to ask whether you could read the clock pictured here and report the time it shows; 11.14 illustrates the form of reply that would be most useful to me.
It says 1.17
